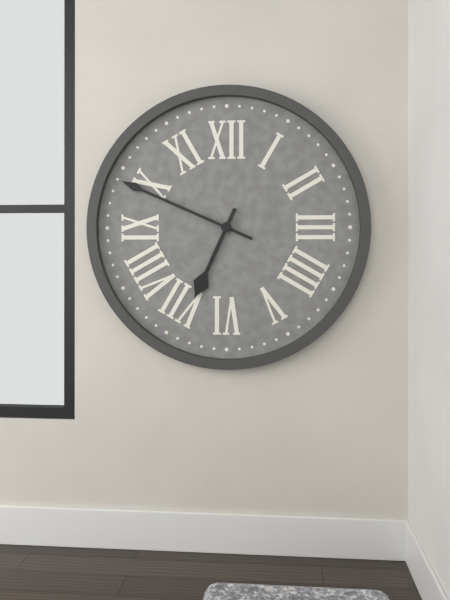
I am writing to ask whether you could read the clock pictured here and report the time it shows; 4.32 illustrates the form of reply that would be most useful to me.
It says 6.49
